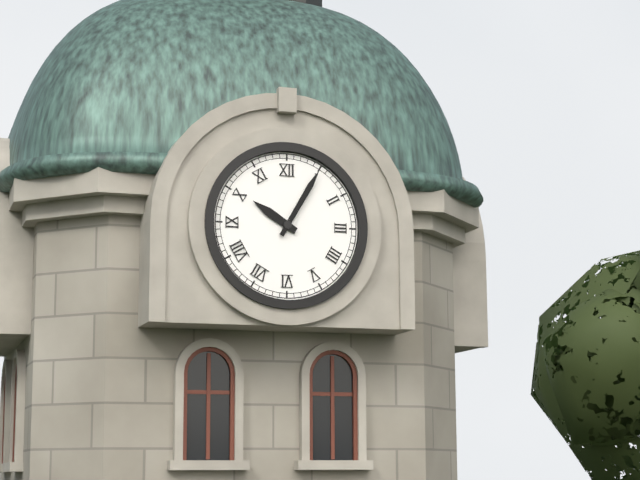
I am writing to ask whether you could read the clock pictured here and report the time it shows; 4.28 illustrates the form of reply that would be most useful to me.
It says 10.05
